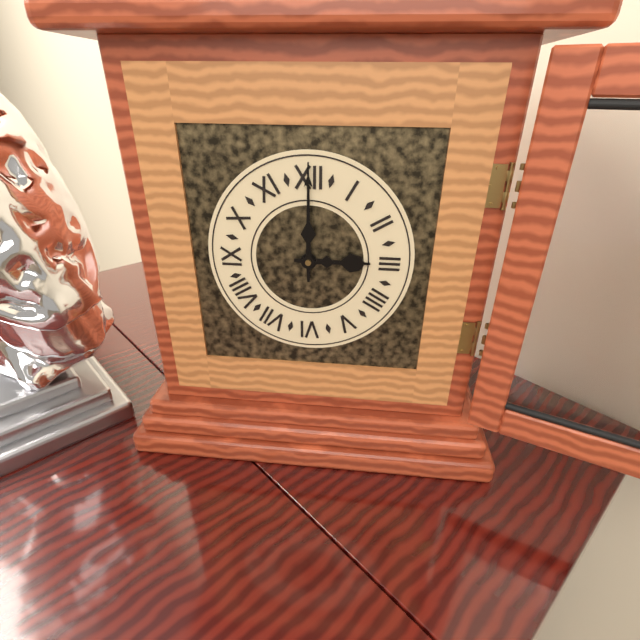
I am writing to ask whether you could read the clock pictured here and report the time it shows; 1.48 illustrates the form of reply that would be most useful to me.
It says 3.00
